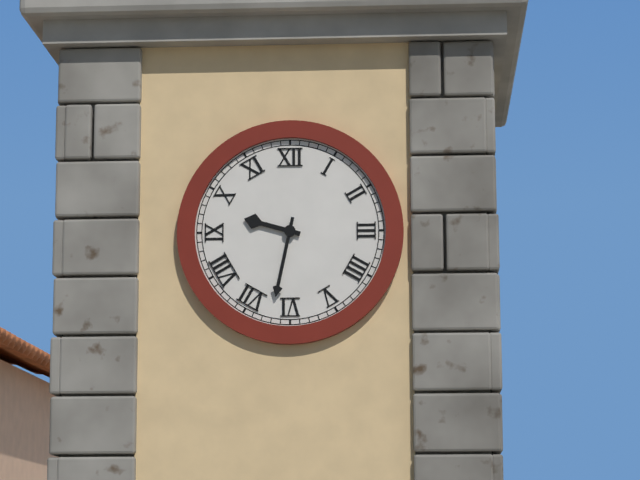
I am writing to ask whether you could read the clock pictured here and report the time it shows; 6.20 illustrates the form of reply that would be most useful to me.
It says 9.32
